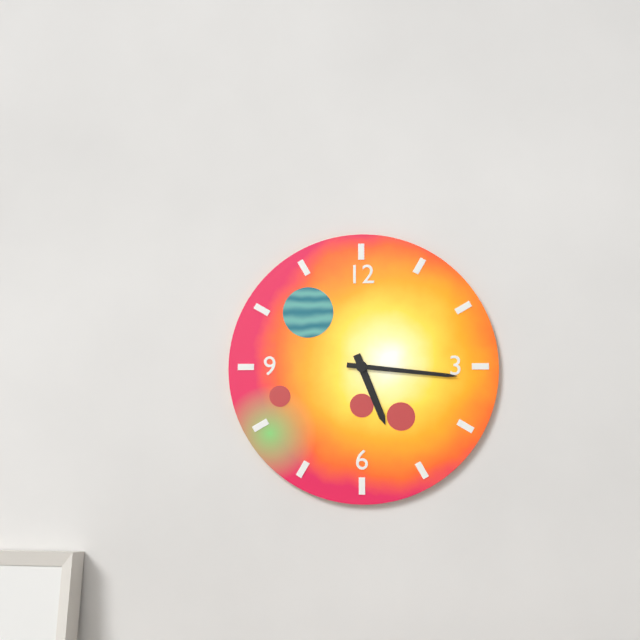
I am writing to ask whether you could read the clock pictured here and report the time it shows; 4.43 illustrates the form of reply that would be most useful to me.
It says 5.16
